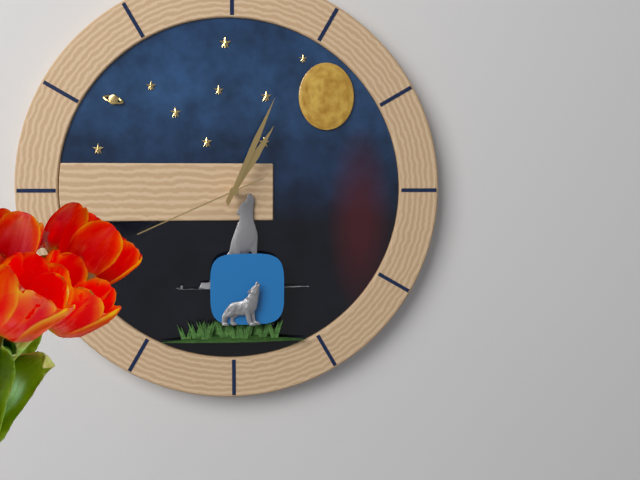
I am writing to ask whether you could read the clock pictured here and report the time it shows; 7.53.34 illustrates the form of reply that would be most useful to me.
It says 1.04.41
